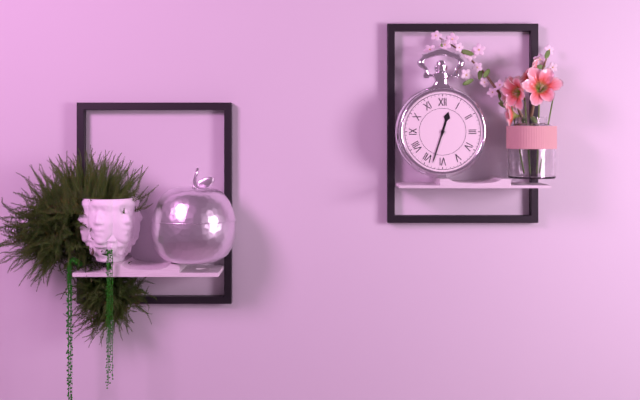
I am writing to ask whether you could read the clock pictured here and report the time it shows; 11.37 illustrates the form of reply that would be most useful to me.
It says 12.33
